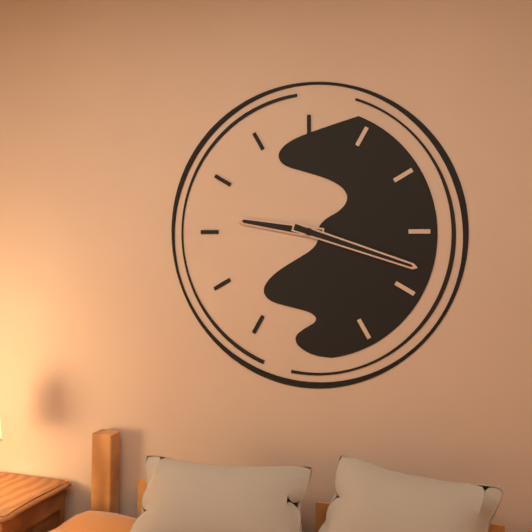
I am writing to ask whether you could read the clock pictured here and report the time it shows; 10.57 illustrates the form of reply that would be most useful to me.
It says 9.18
